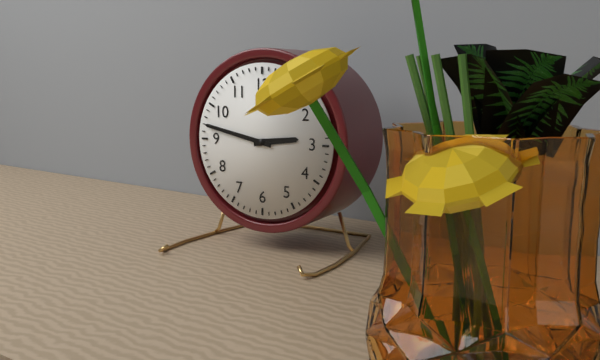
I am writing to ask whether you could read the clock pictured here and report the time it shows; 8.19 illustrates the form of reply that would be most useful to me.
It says 2.47
